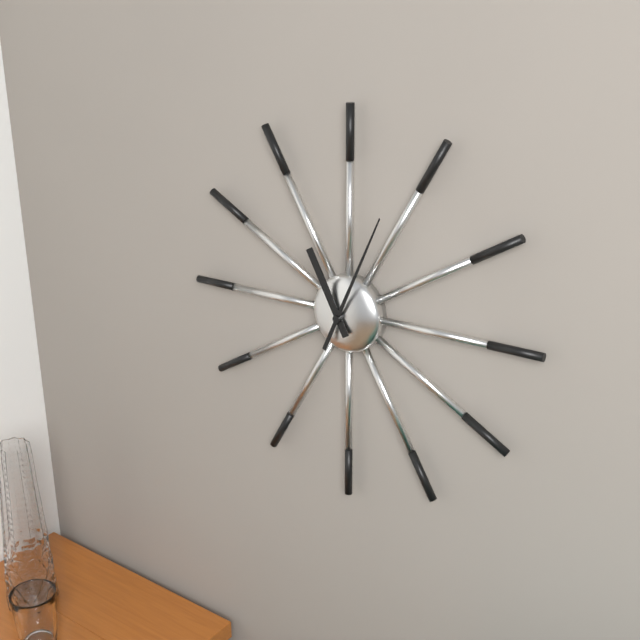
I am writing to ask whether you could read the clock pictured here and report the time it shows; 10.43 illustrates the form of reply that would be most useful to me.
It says 11.04
